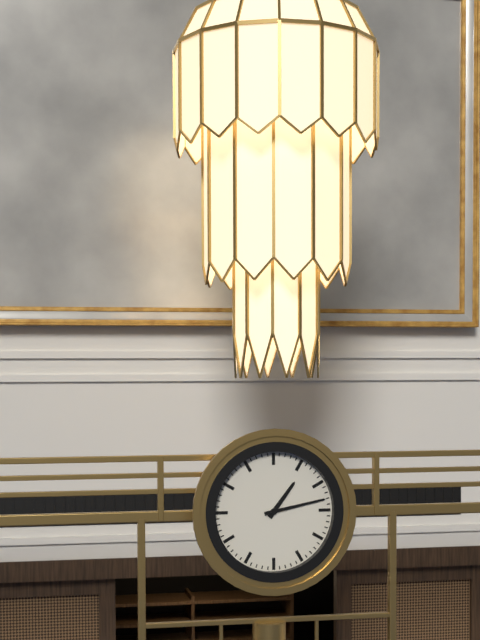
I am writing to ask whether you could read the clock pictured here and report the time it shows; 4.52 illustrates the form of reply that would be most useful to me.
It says 1.13
